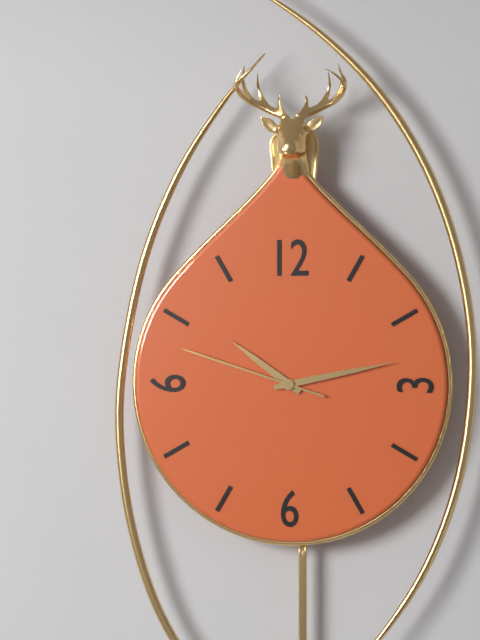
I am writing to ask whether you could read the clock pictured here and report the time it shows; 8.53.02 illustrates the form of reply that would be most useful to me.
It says 10.13.48
